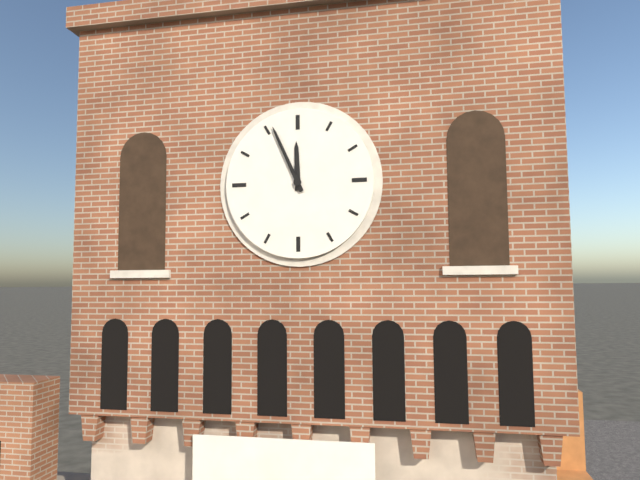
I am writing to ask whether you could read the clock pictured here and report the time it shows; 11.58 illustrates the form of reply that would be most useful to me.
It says 11.56
